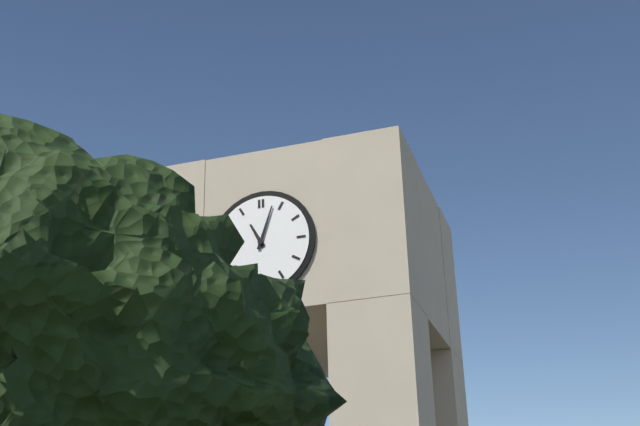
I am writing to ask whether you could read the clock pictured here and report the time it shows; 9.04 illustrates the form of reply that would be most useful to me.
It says 11.03
